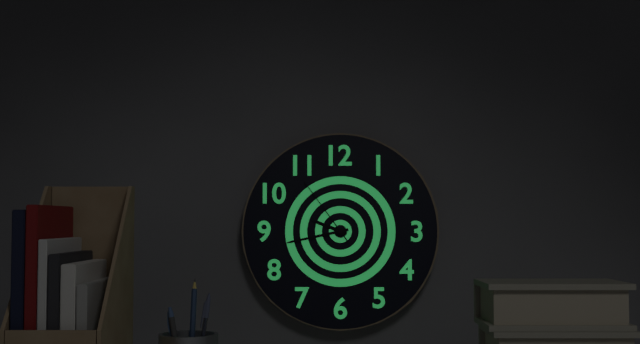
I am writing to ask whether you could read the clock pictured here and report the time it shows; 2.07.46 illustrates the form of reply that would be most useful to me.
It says 9.43.54
